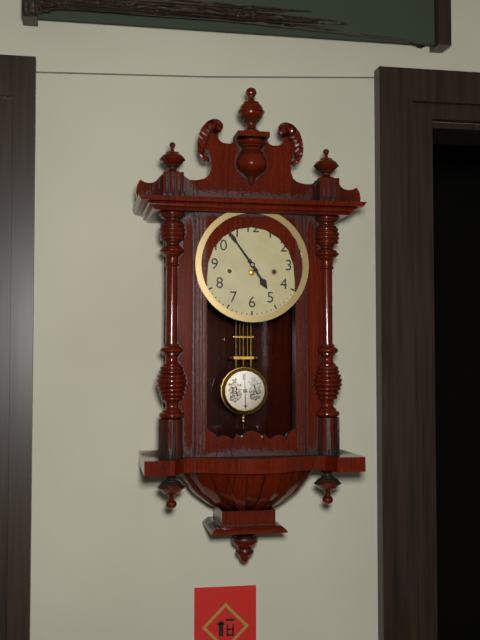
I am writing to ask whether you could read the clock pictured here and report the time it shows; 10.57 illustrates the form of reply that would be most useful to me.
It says 4.54
